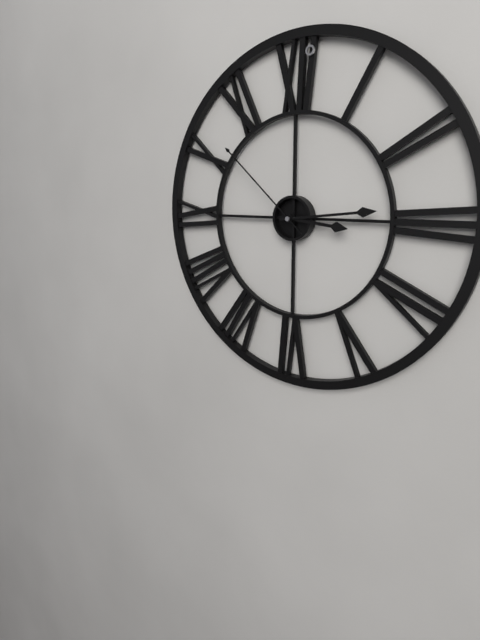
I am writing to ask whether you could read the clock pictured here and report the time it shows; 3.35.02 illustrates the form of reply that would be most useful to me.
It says 3.14.52
